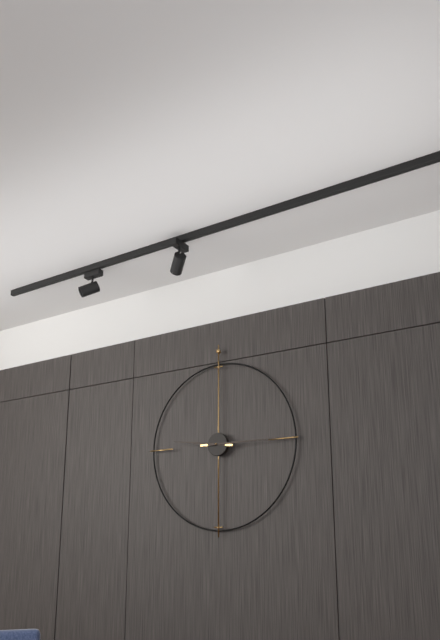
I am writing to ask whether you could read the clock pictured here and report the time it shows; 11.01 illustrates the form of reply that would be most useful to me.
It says 9.15
